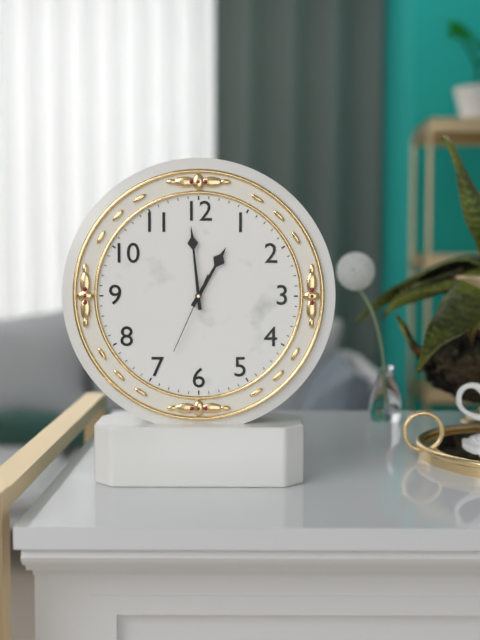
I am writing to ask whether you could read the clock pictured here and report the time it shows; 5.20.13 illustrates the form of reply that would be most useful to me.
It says 12.59.34
